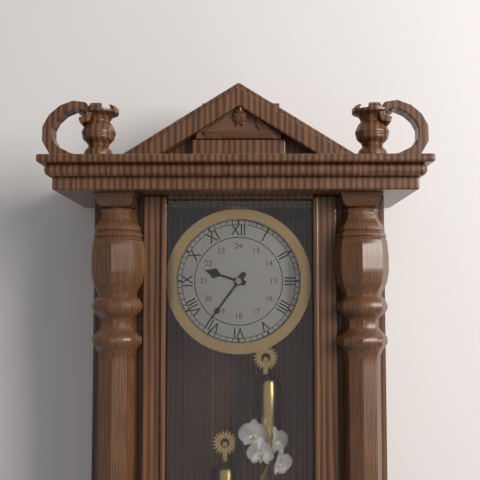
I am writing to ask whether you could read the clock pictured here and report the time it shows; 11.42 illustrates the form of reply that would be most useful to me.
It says 9.36
